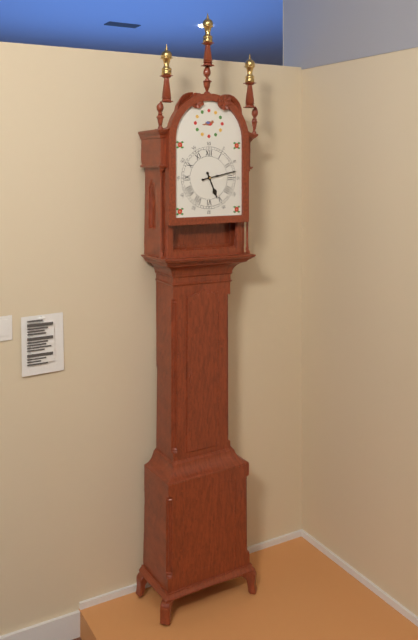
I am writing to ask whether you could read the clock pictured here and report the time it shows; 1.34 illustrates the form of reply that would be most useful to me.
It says 5.13
